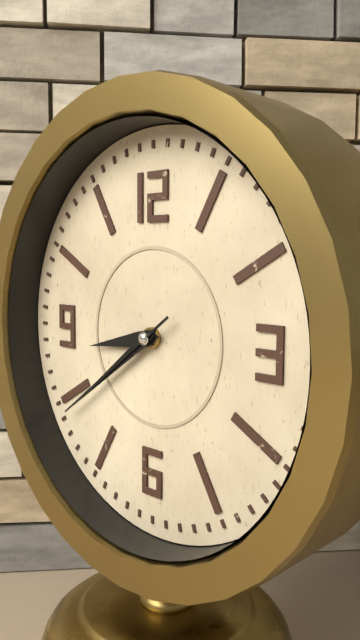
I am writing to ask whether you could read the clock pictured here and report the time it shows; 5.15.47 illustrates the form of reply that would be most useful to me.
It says 8.39.39
